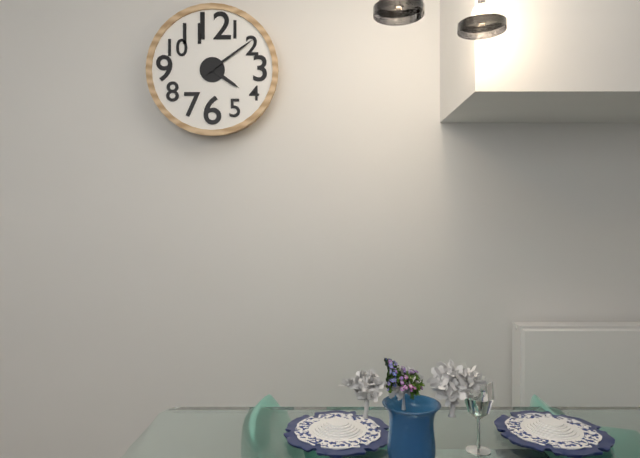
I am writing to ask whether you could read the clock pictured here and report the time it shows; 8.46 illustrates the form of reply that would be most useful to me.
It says 4.09
